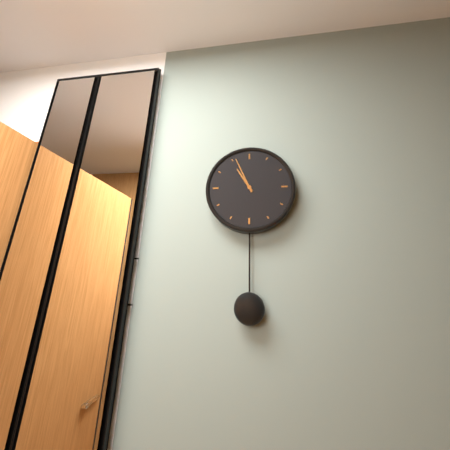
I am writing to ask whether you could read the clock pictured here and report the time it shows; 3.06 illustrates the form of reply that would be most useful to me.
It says 10.56
